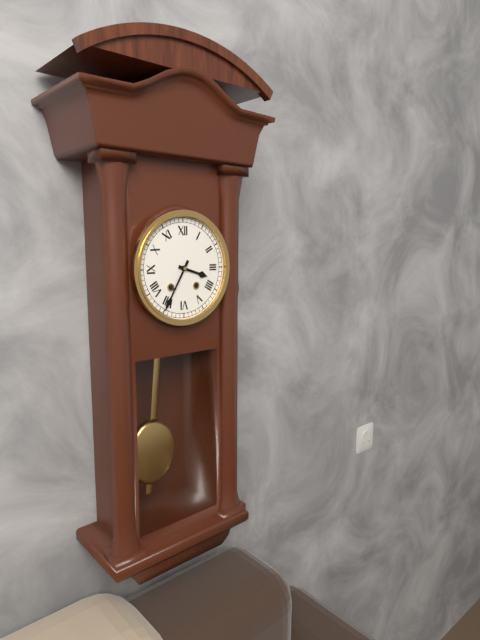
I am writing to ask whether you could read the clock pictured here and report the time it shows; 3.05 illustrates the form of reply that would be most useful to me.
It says 3.35
